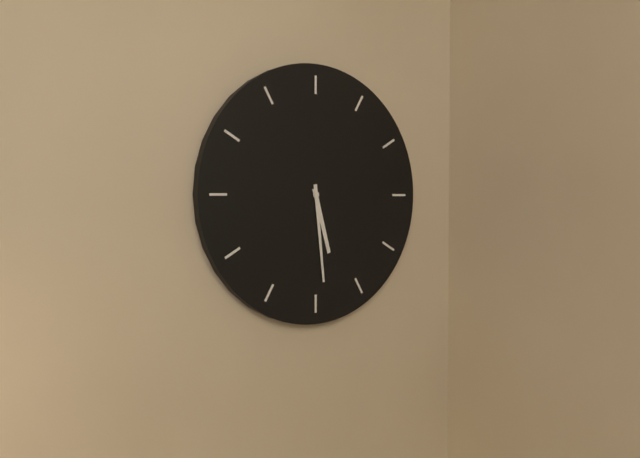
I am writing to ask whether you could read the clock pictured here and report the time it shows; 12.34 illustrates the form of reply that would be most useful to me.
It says 5.29
